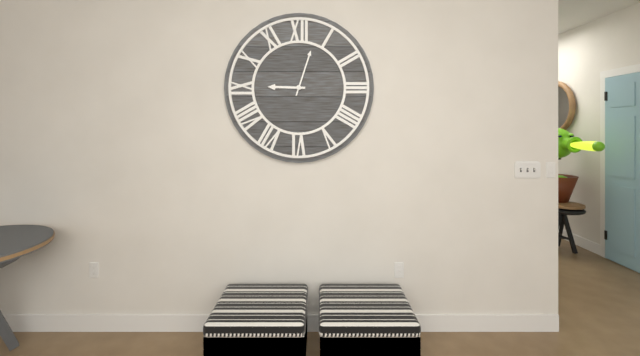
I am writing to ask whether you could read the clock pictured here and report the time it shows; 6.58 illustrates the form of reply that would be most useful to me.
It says 9.03
